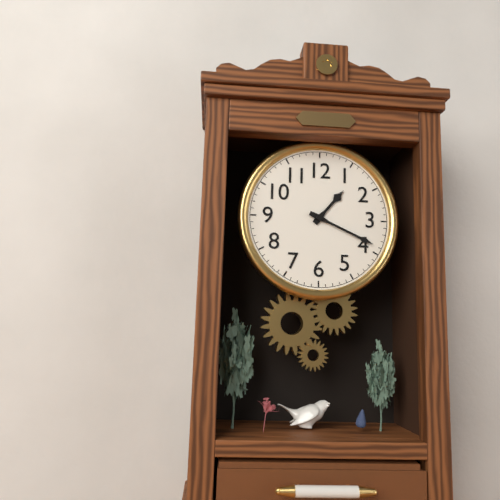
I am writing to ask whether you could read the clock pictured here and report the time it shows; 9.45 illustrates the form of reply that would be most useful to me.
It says 1.19
